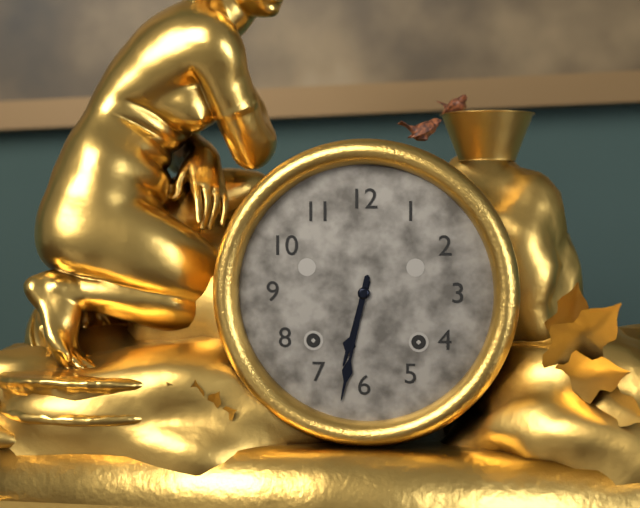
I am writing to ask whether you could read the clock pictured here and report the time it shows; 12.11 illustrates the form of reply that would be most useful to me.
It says 6.32
